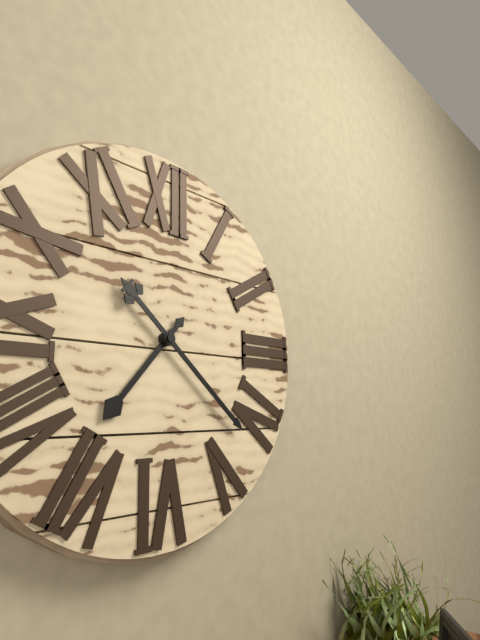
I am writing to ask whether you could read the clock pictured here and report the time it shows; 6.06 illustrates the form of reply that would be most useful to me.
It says 7.22
